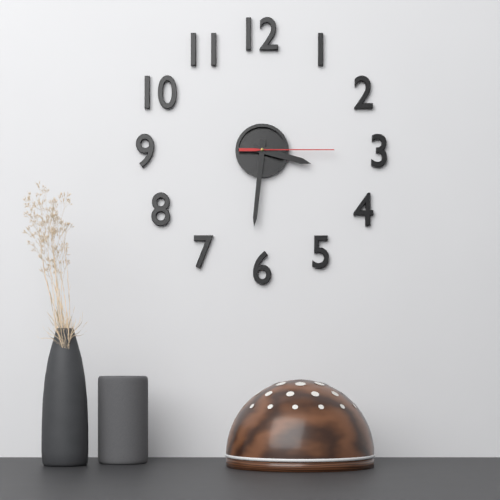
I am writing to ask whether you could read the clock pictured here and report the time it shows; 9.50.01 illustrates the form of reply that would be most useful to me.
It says 3.31.15
